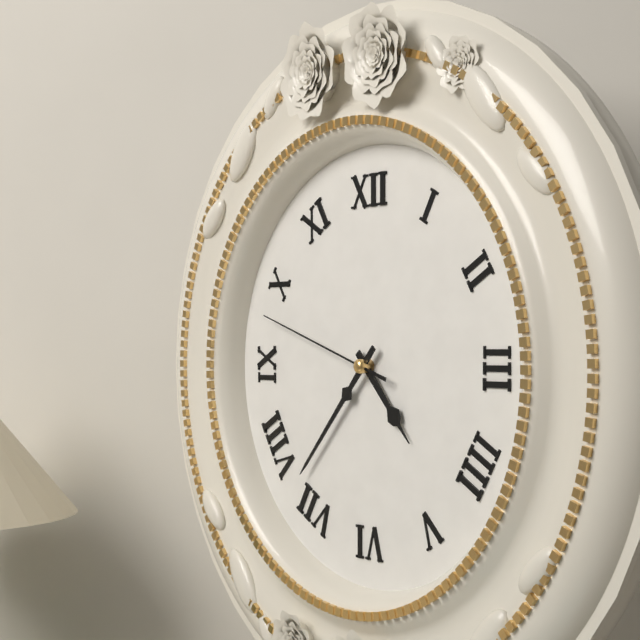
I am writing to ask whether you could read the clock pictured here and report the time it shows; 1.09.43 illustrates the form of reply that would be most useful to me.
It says 4.37.48
